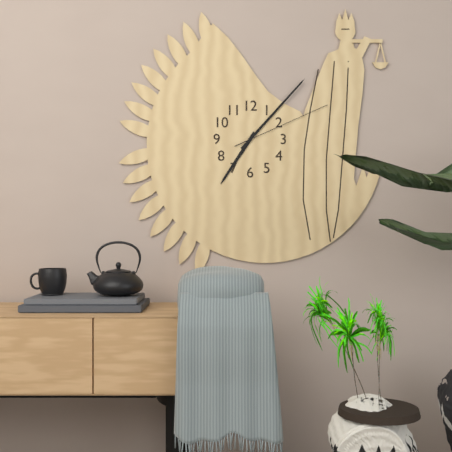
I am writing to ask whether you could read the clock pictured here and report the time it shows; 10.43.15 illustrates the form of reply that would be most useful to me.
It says 7.07.11
